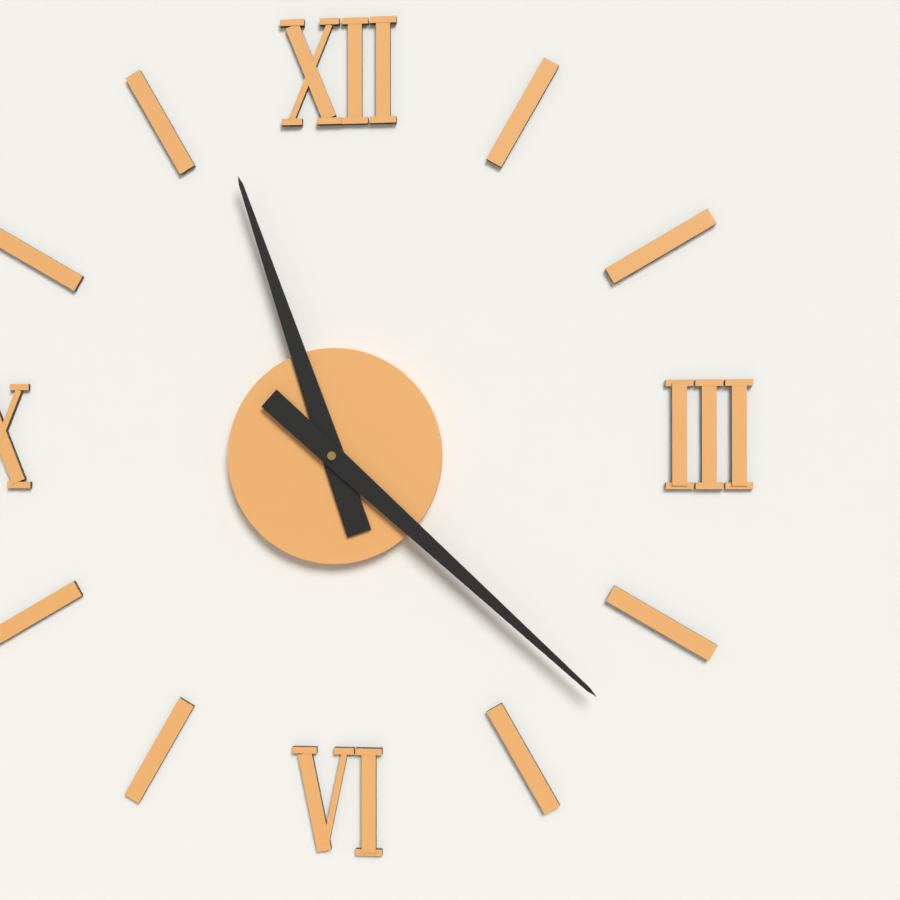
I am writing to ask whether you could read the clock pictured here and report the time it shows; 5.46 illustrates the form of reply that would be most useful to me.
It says 11.22
